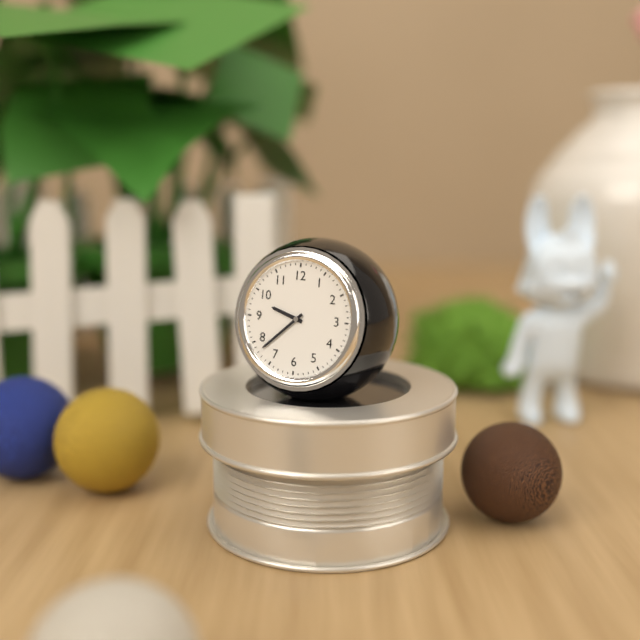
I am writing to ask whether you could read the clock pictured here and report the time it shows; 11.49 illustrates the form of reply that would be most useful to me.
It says 9.38
